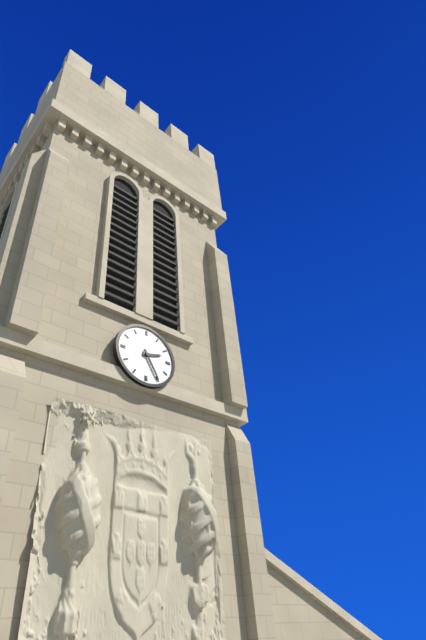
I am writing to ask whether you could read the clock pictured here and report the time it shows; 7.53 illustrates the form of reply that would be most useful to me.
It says 2.25
